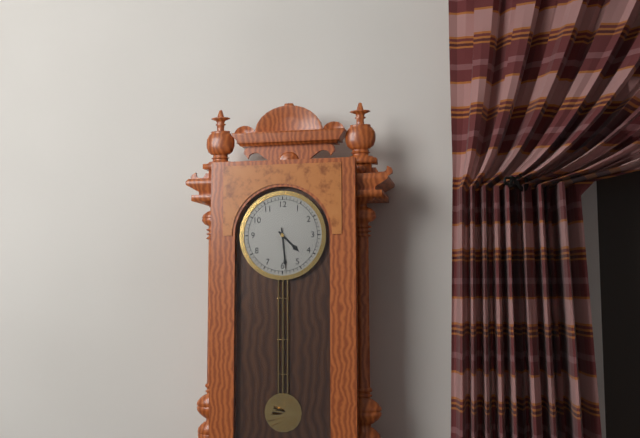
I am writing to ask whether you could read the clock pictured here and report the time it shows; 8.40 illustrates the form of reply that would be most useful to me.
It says 4.29
